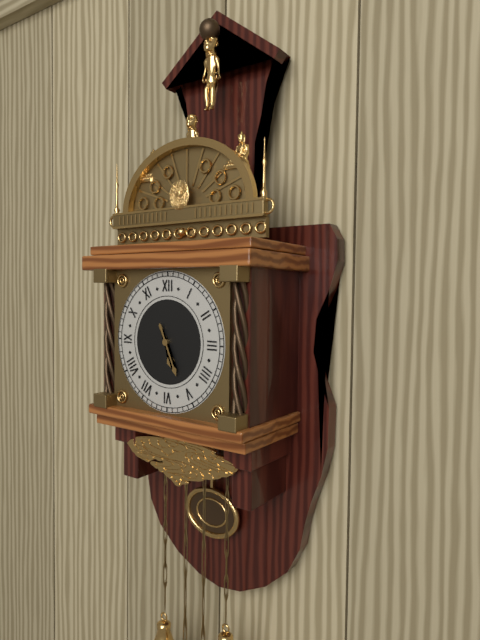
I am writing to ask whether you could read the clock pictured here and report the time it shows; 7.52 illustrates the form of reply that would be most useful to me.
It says 5.26
